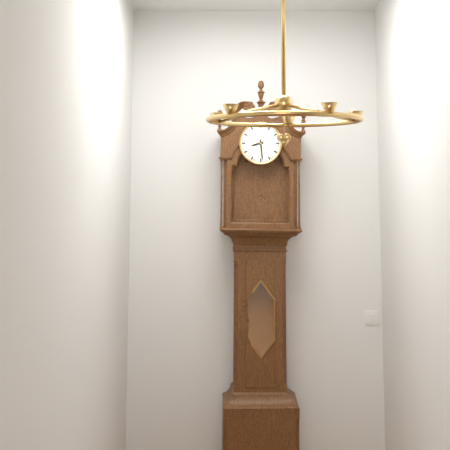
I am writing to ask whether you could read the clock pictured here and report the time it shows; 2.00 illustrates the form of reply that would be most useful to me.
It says 8.29
